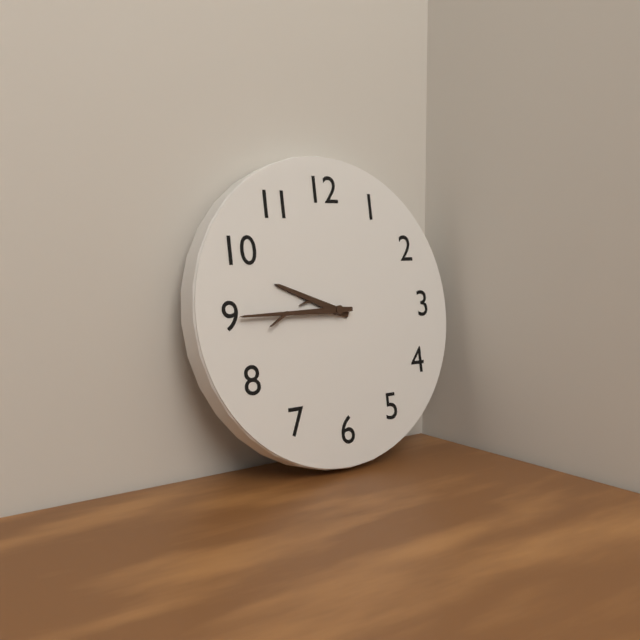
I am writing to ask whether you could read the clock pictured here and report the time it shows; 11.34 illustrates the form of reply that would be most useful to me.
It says 9.45
